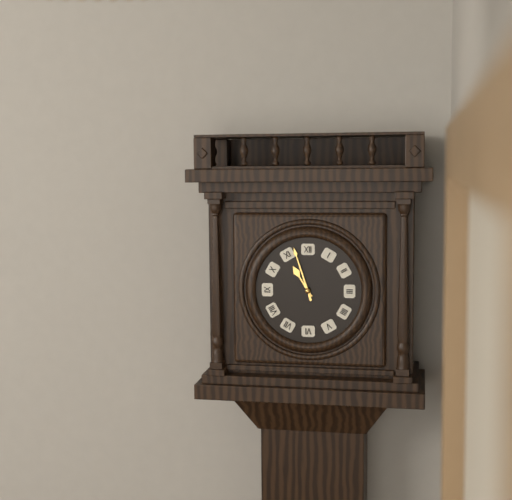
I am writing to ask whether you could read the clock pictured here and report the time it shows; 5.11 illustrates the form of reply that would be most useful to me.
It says 10.57
